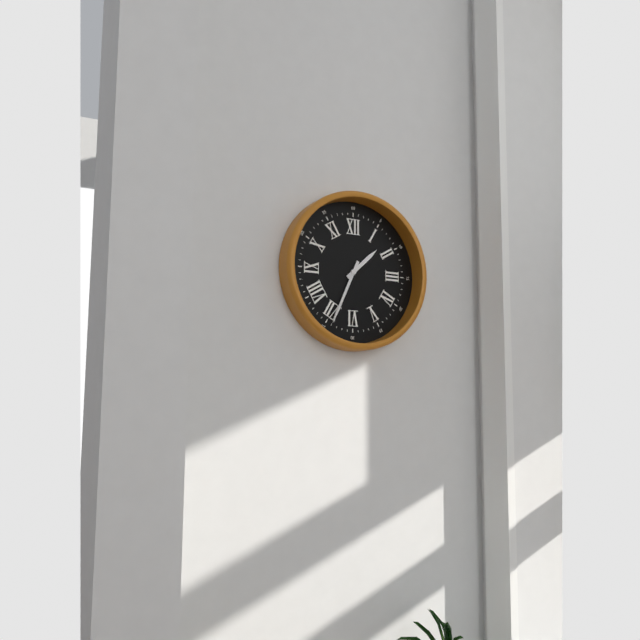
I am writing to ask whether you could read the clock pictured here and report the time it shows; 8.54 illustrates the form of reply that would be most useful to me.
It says 1.34
